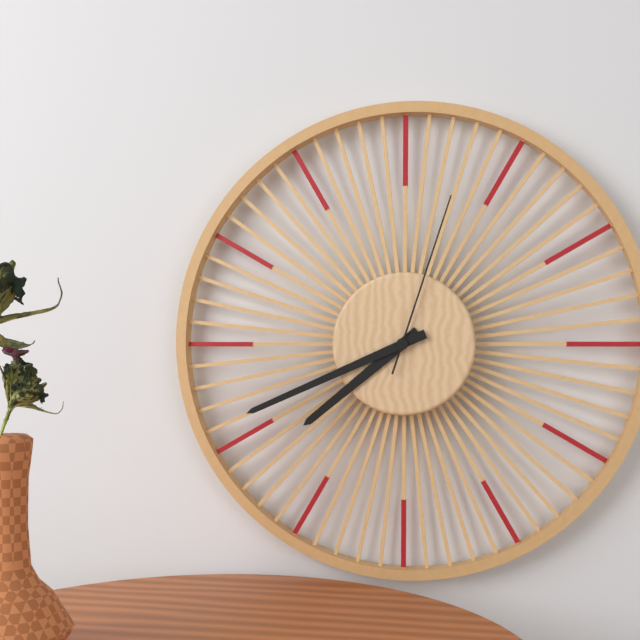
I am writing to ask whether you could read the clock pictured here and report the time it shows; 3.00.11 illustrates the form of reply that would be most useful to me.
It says 7.41.03
